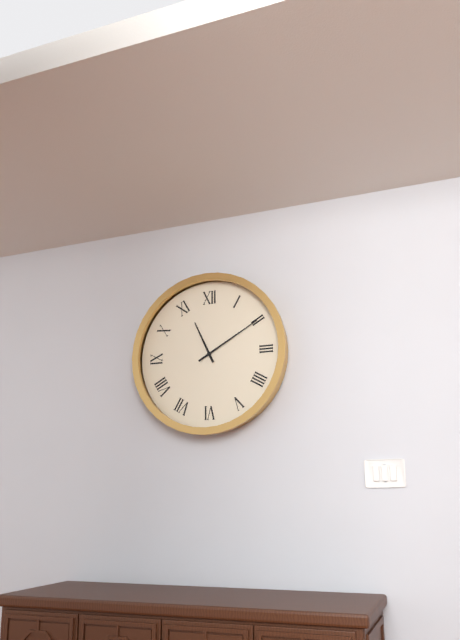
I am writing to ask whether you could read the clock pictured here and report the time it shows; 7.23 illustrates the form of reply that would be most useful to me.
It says 11.10
